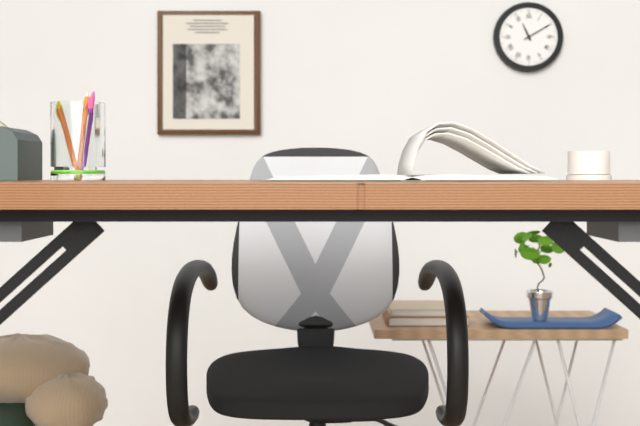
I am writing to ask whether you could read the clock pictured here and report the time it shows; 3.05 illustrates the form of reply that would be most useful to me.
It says 11.10
